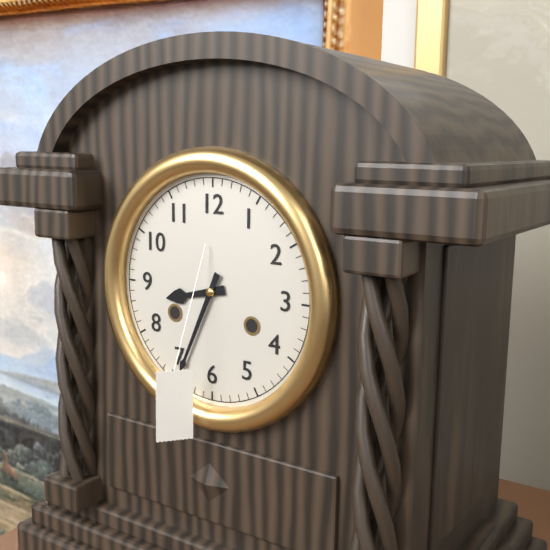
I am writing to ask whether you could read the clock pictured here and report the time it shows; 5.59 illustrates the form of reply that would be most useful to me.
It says 8.34
